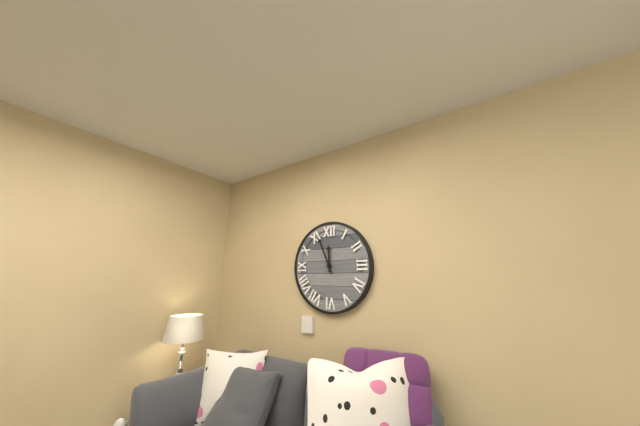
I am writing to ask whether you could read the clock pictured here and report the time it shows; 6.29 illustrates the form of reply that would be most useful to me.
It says 11.56
